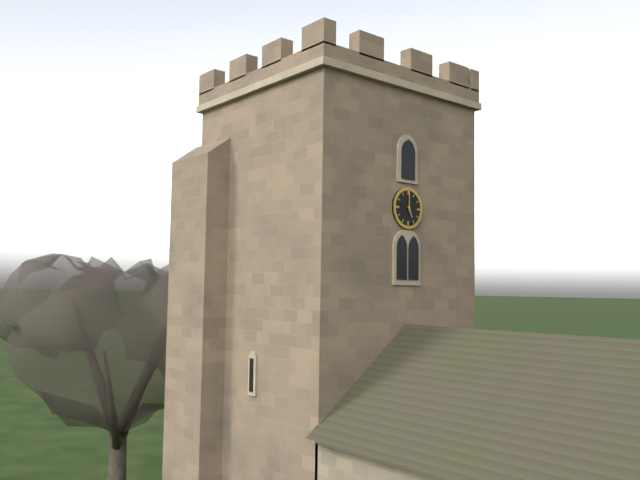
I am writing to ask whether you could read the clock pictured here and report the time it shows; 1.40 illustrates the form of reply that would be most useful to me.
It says 5.00
